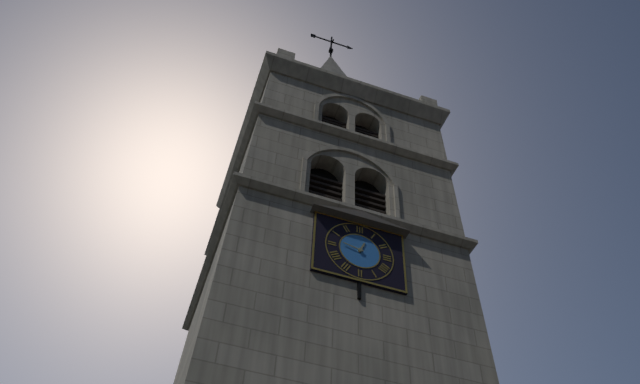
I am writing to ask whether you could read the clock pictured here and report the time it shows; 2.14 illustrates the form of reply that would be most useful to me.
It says 12.47
